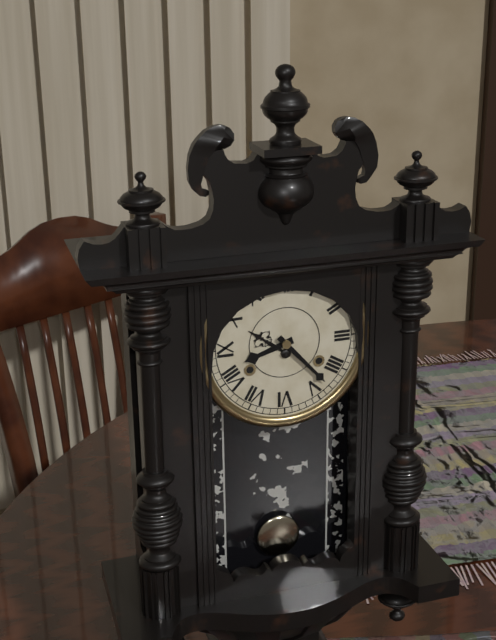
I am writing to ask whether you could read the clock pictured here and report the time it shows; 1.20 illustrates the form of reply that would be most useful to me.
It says 8.23
